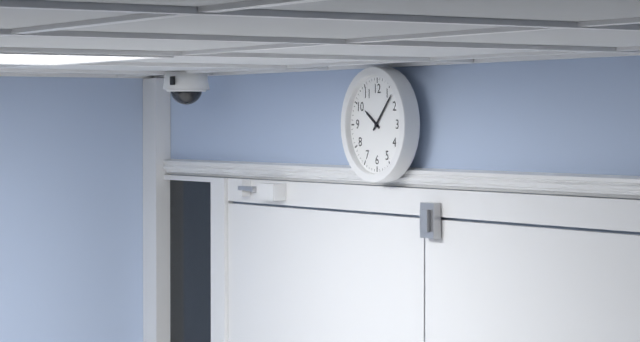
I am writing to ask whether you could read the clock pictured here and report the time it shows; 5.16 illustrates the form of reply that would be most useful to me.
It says 10.07
